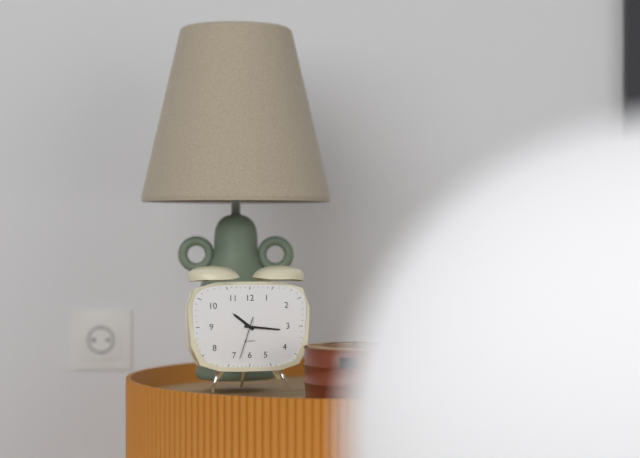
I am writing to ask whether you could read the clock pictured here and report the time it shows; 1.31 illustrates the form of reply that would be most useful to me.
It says 10.16
